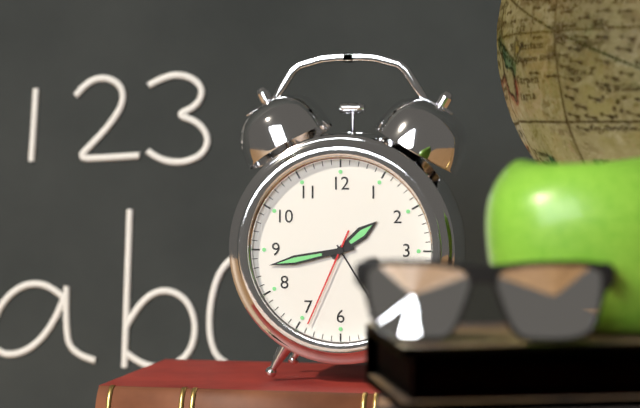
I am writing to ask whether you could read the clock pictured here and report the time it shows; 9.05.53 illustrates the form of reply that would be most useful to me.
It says 1.43.34
